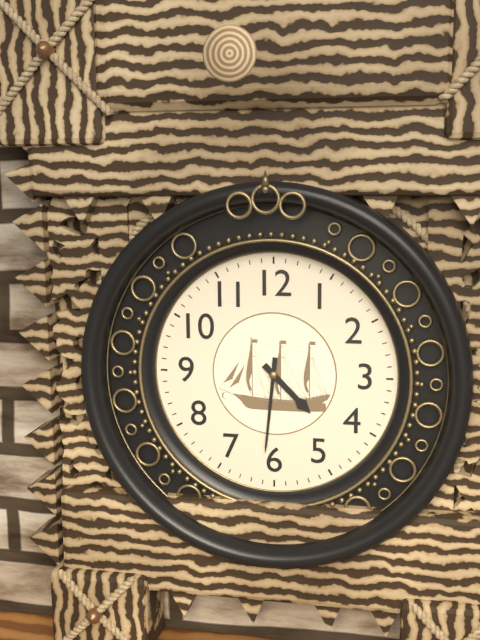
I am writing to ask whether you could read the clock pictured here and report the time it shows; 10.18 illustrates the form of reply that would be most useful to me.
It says 4.31
